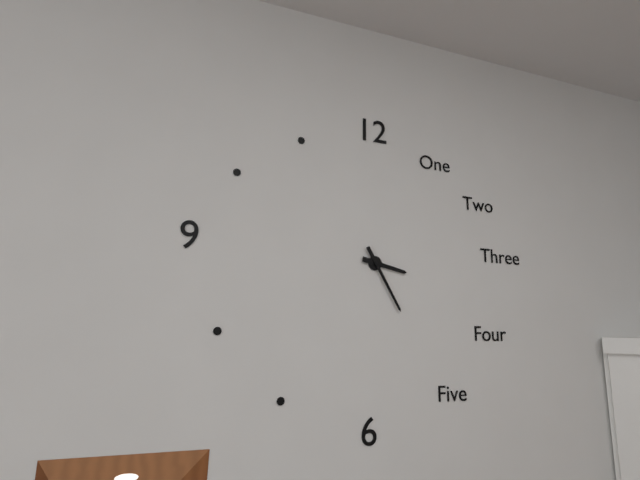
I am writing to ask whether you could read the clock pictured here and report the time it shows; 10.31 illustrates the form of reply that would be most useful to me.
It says 3.25
